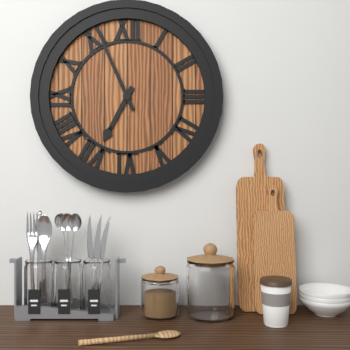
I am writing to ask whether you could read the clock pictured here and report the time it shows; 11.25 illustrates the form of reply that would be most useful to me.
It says 6.56
